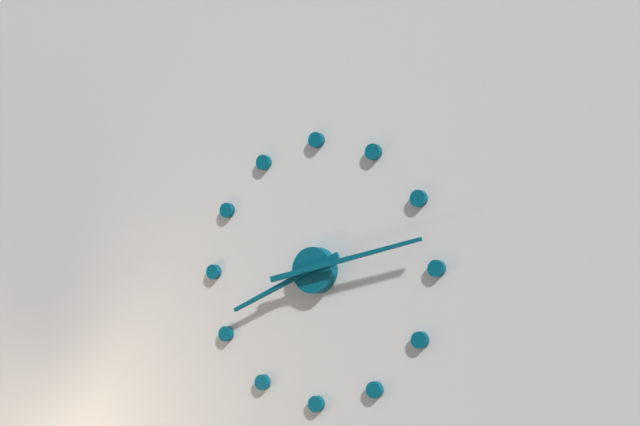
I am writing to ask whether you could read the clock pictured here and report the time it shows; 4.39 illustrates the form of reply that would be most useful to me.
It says 8.13
